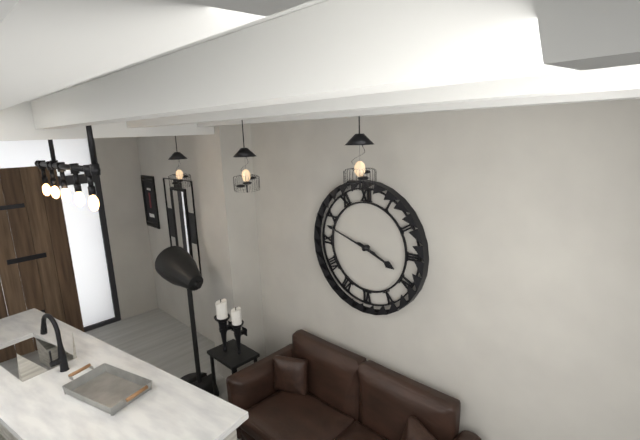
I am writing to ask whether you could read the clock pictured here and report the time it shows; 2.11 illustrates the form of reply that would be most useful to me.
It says 3.48
